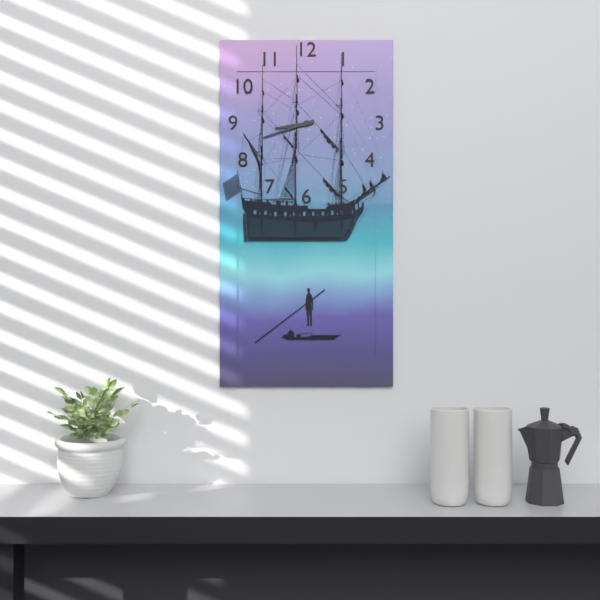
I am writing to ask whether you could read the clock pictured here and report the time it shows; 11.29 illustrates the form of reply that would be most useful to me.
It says 8.42
